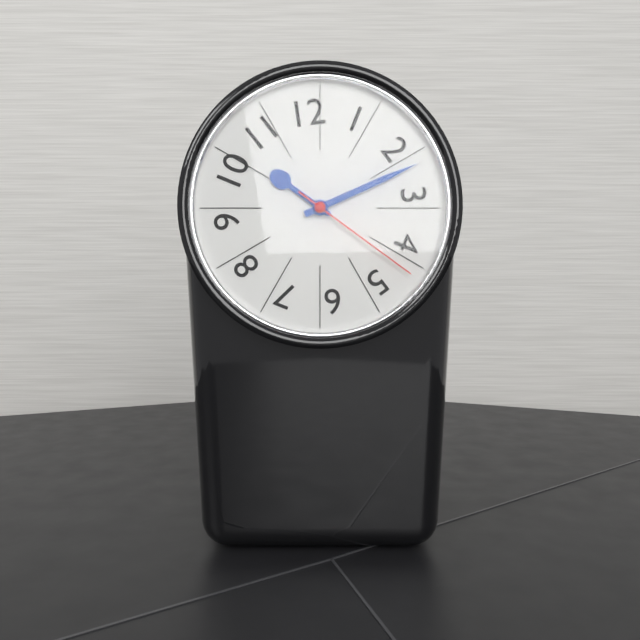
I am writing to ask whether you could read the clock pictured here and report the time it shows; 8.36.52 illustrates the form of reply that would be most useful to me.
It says 10.11.21
